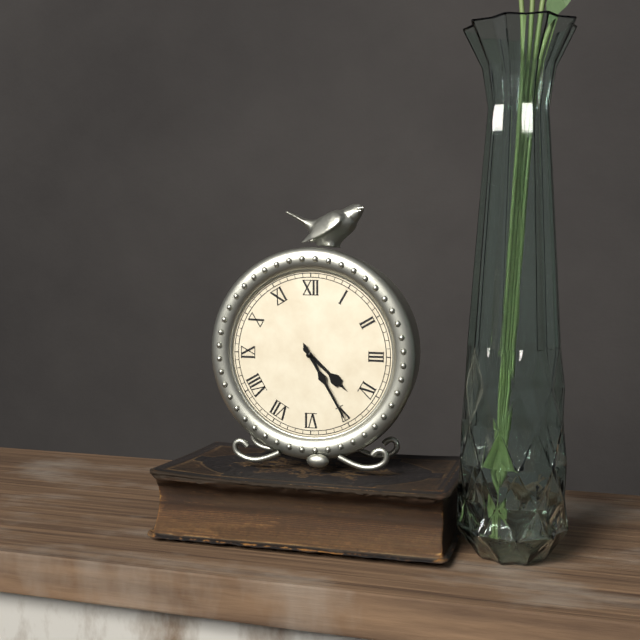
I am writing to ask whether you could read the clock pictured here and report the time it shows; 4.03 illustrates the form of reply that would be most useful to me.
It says 4.25
